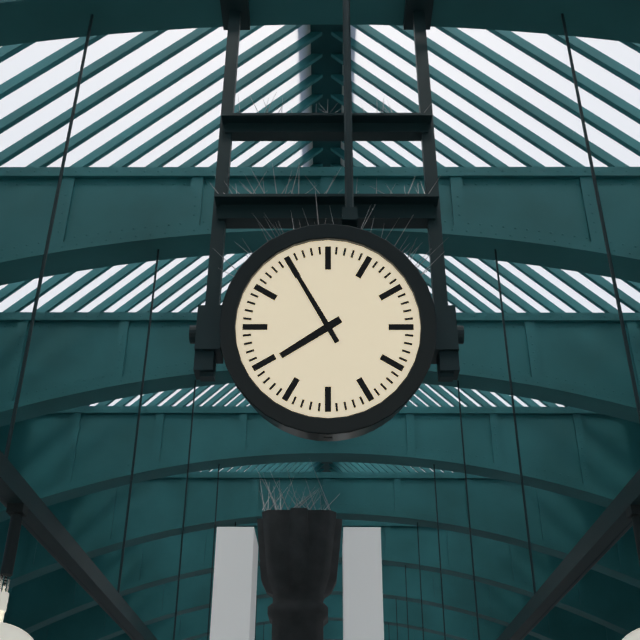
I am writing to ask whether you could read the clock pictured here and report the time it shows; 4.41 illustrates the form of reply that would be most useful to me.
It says 7.55
